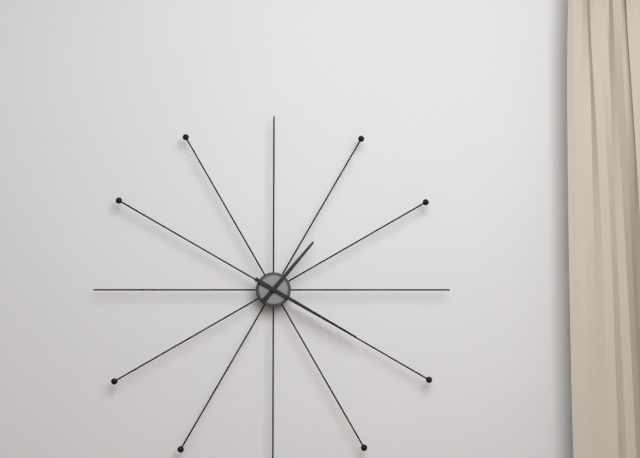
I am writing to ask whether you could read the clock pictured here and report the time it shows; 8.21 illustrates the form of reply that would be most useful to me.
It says 1.20
